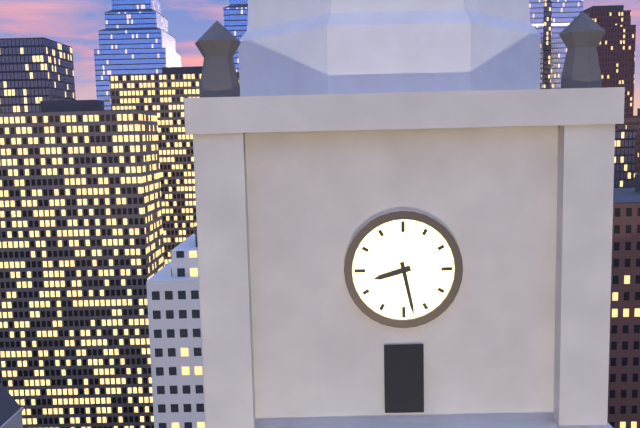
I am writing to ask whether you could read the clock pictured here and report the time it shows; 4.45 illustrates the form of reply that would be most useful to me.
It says 8.28
